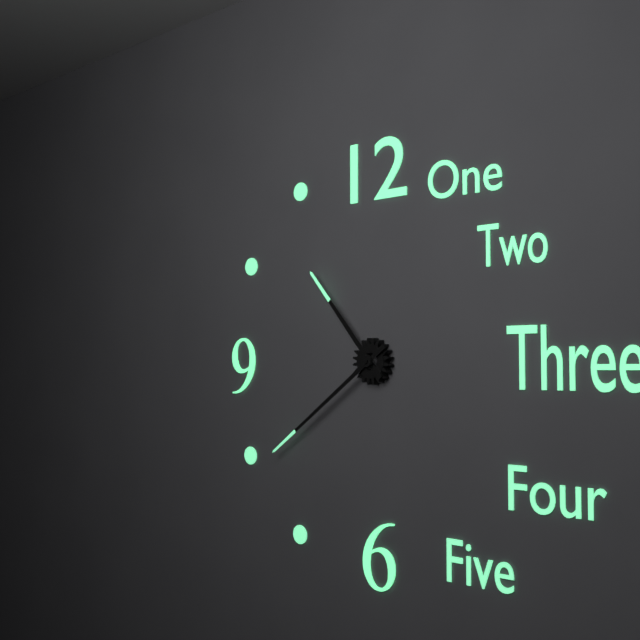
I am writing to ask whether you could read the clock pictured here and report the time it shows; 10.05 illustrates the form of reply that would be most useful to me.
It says 10.39
